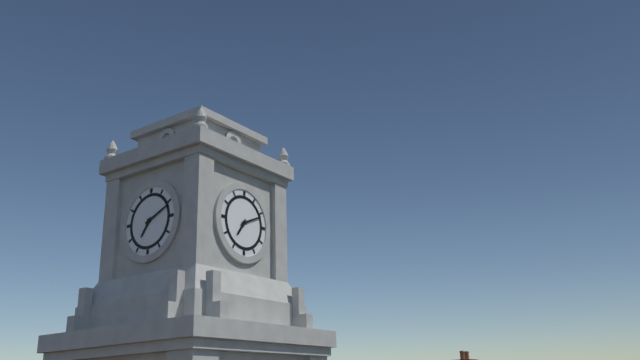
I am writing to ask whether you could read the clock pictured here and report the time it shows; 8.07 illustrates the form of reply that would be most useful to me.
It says 7.11
